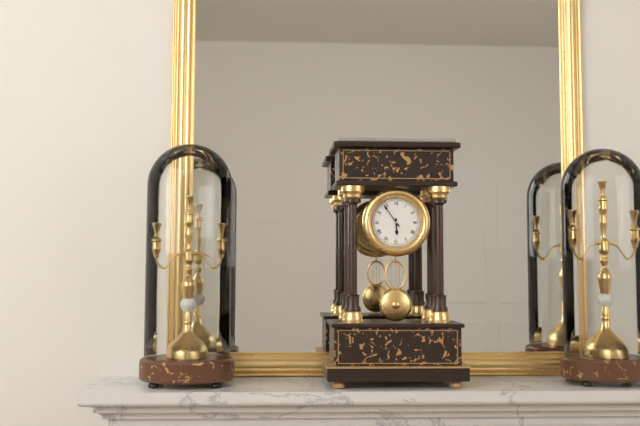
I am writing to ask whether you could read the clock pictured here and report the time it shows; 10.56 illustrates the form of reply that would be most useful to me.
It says 5.54
